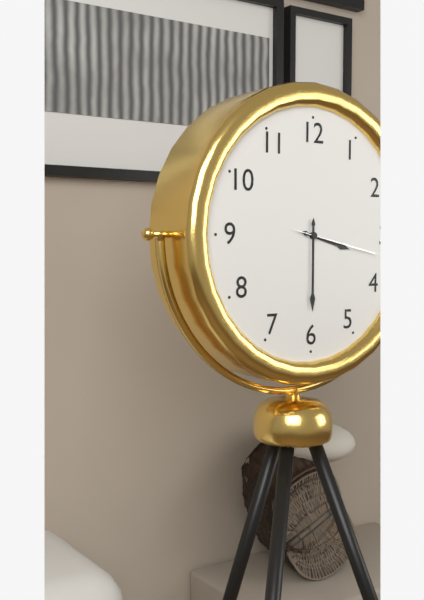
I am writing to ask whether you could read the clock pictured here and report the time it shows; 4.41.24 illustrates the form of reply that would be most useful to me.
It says 3.30.17
